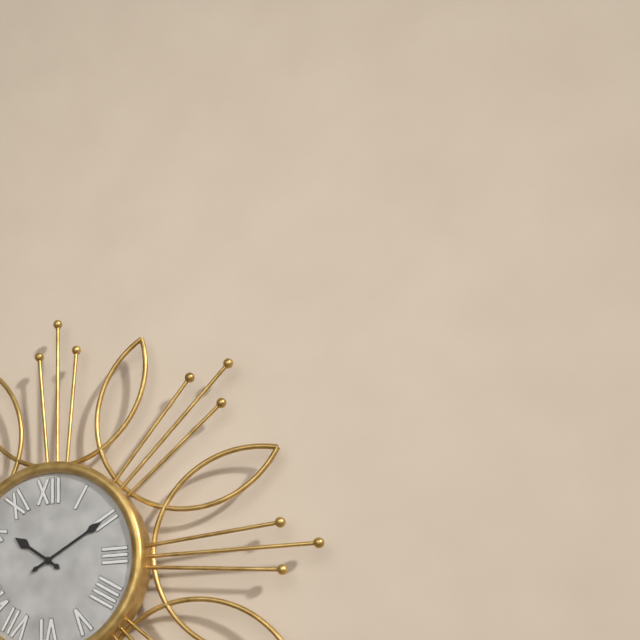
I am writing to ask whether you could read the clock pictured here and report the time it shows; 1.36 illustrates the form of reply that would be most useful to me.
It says 10.10
